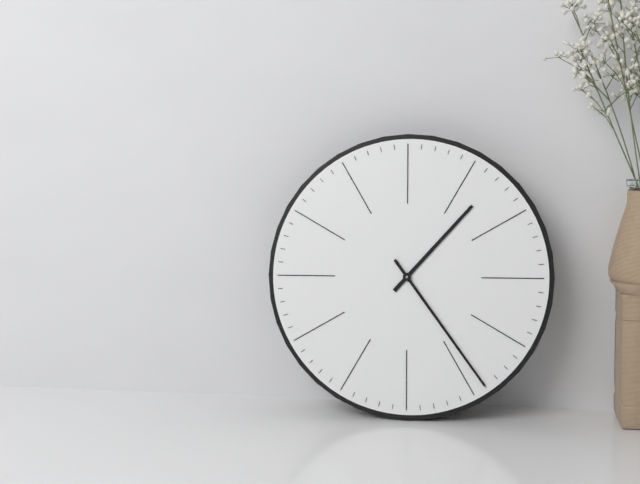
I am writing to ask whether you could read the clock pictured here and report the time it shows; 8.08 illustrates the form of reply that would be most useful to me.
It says 1.24
